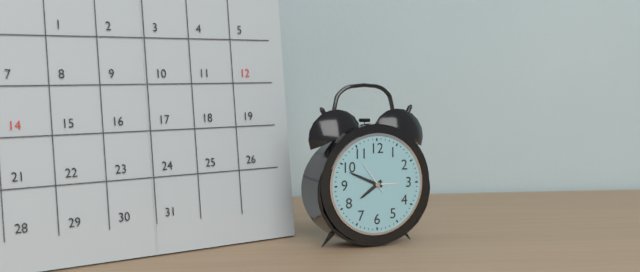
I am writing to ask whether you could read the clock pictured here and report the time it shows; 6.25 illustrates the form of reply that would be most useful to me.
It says 7.49
